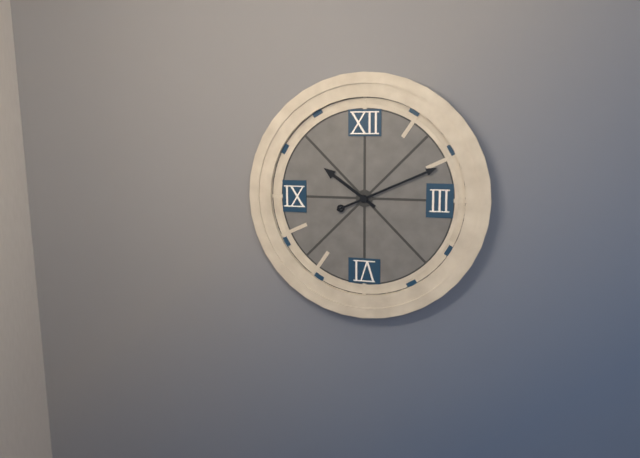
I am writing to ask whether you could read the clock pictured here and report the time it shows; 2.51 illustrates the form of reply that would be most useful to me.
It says 10.11
